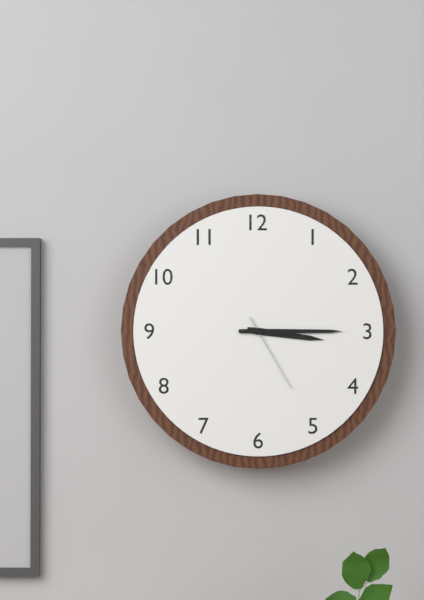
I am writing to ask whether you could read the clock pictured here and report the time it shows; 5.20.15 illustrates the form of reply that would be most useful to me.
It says 3.15.25
